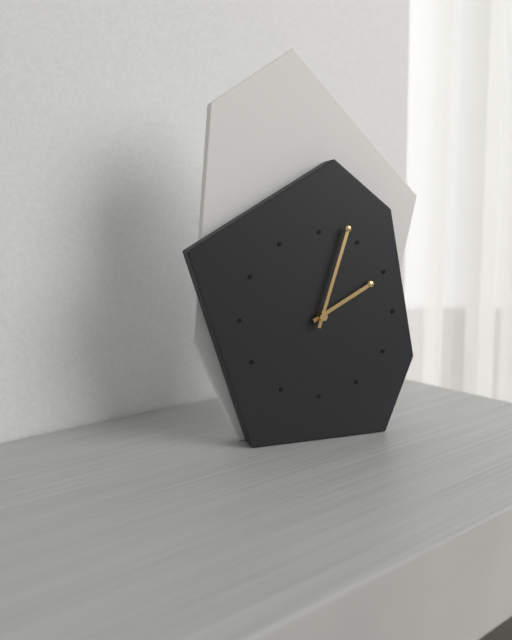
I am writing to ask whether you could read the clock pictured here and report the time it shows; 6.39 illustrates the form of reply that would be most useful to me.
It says 2.03
